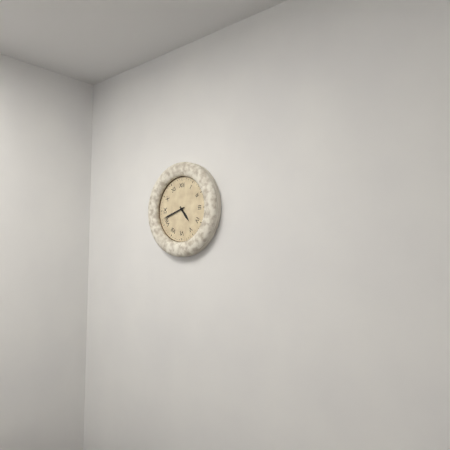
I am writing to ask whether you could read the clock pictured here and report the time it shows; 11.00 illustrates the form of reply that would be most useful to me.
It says 4.42
